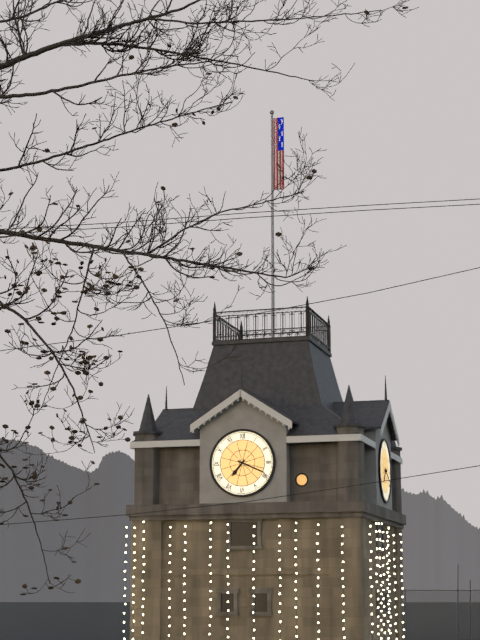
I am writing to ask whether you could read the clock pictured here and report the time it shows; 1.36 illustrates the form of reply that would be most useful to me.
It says 7.19
